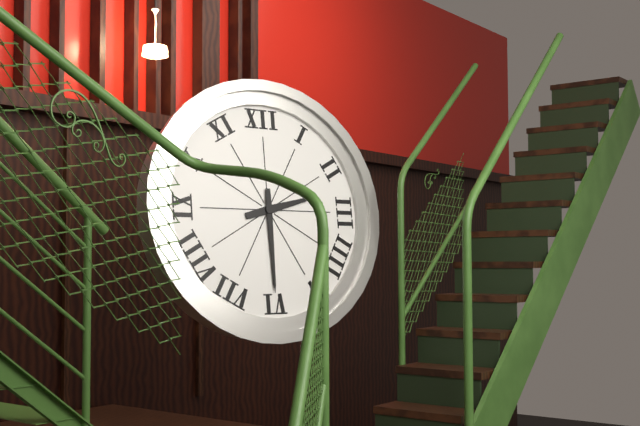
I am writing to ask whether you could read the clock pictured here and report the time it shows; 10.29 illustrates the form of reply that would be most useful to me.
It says 2.30
